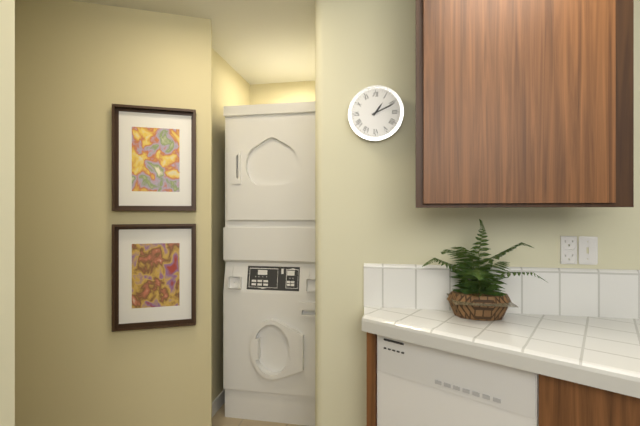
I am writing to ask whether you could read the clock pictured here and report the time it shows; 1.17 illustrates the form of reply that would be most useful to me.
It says 1.11
